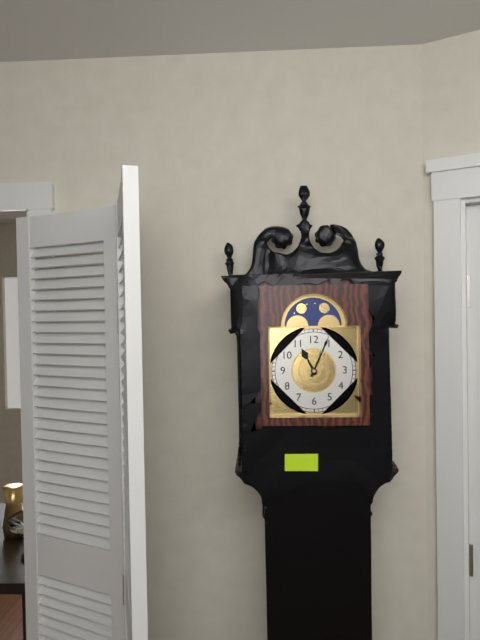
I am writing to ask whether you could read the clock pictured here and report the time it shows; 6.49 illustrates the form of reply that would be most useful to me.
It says 11.04
